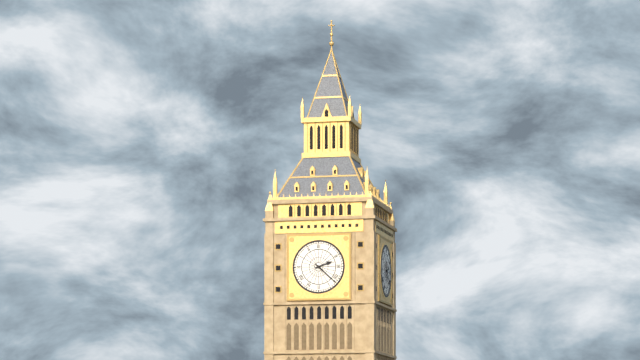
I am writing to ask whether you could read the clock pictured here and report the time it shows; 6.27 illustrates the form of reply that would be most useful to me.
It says 2.22
